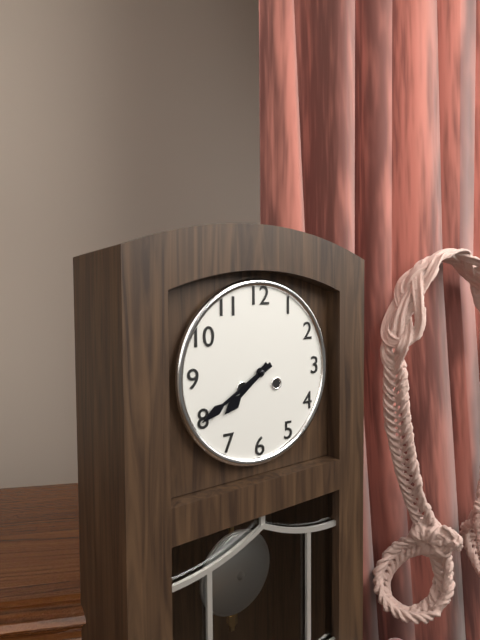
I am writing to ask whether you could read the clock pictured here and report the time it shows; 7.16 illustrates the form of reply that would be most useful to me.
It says 7.40
